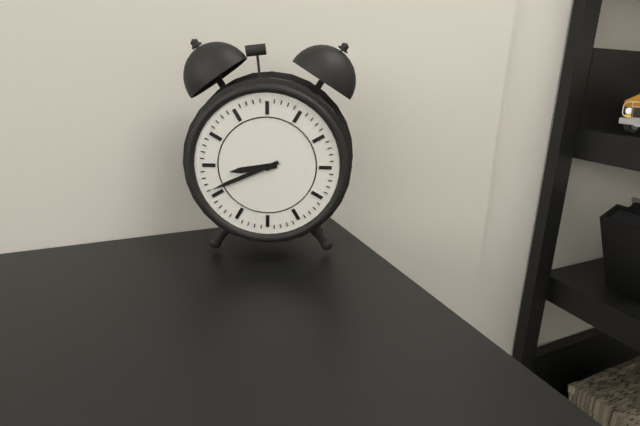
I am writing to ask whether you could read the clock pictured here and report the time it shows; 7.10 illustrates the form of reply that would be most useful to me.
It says 8.41
